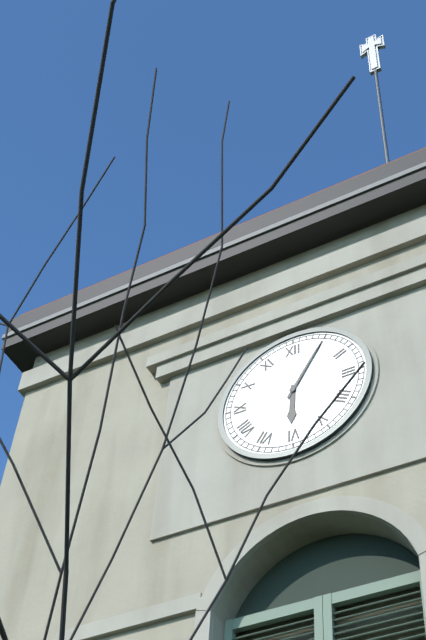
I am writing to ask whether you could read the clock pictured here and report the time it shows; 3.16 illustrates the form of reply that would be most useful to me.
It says 6.05
